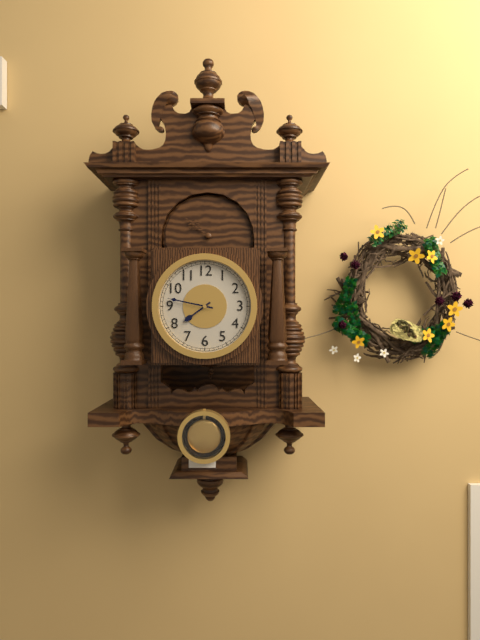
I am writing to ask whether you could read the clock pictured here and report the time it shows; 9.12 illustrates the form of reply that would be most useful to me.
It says 7.47
